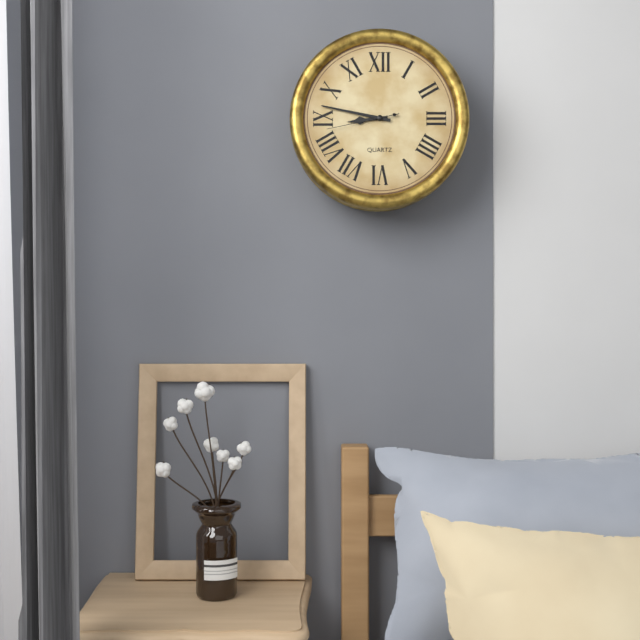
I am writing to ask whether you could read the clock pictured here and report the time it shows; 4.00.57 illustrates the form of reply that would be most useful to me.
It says 8.47.43
